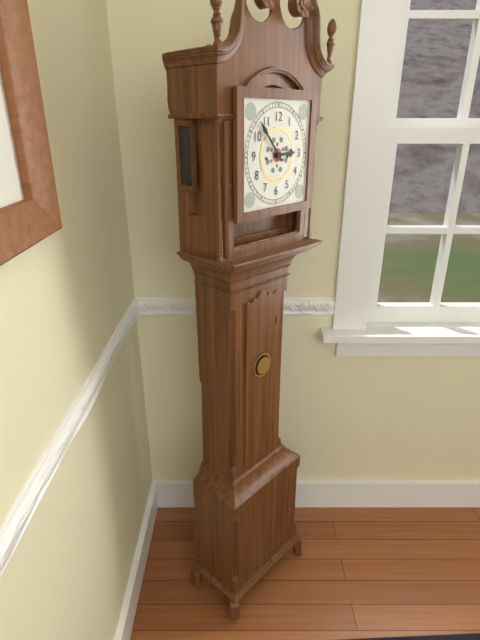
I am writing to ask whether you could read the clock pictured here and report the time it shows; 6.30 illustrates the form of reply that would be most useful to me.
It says 2.53
